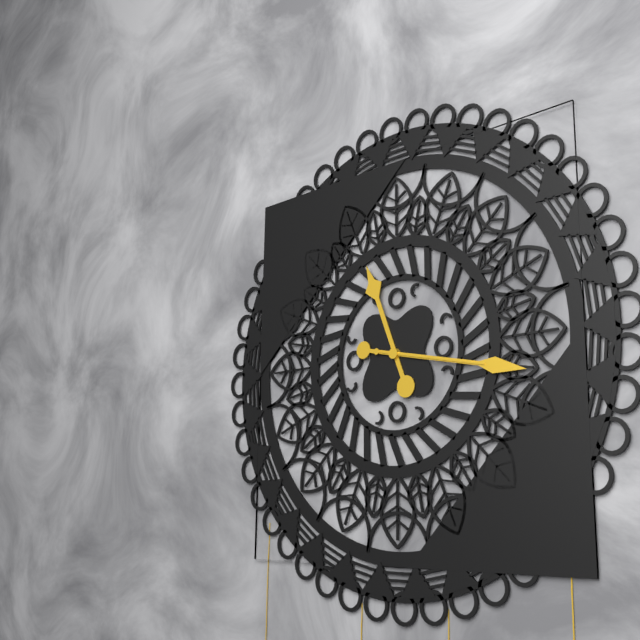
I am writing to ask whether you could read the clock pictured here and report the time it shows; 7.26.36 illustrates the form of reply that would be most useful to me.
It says 11.17.17
